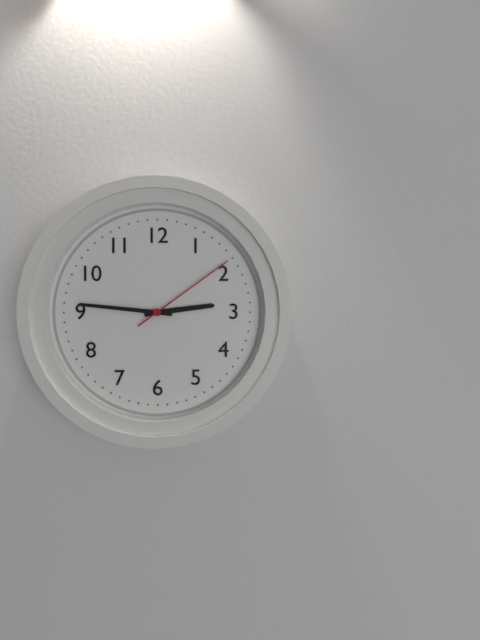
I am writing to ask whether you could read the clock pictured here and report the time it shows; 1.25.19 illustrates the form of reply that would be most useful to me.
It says 2.46.09
